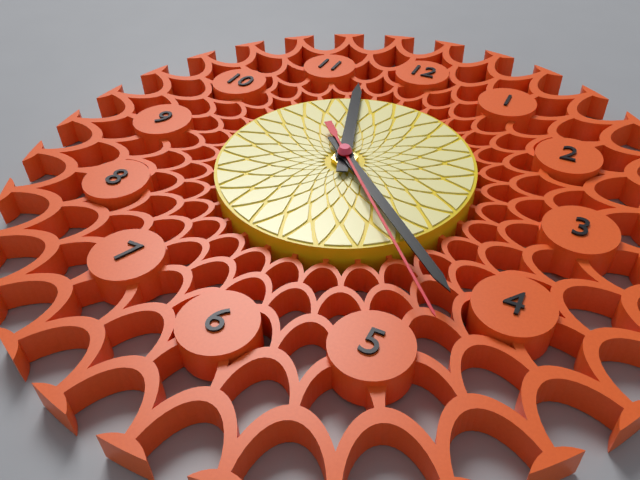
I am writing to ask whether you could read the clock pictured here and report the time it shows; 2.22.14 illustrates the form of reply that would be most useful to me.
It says 11.22.23
